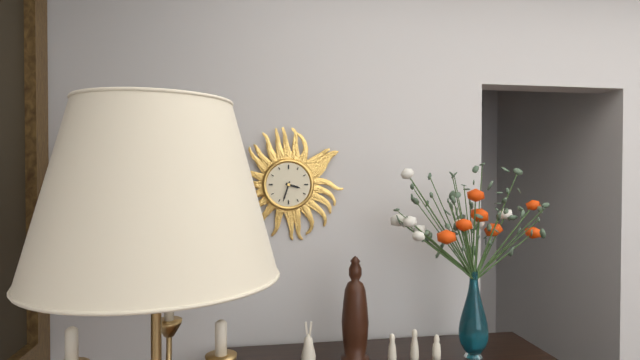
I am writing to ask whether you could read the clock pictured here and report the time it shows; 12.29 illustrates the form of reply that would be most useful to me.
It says 3.33
